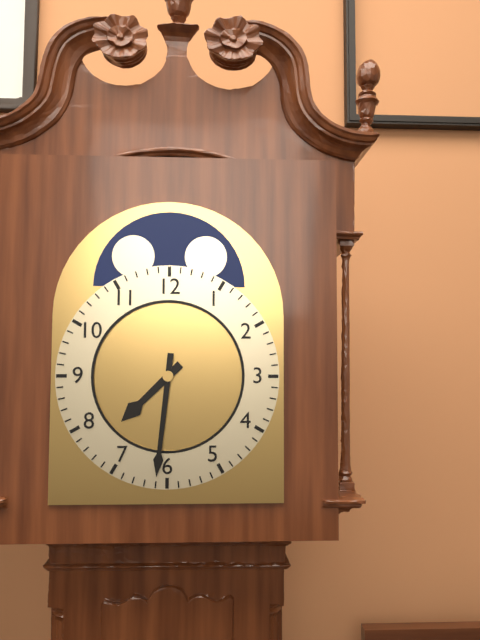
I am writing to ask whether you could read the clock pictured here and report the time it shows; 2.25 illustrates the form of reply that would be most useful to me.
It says 7.31
